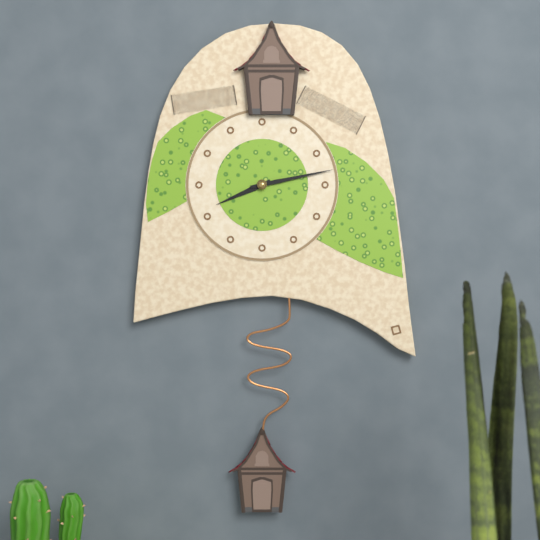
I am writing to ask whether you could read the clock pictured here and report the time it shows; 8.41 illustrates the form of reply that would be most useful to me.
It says 8.13
